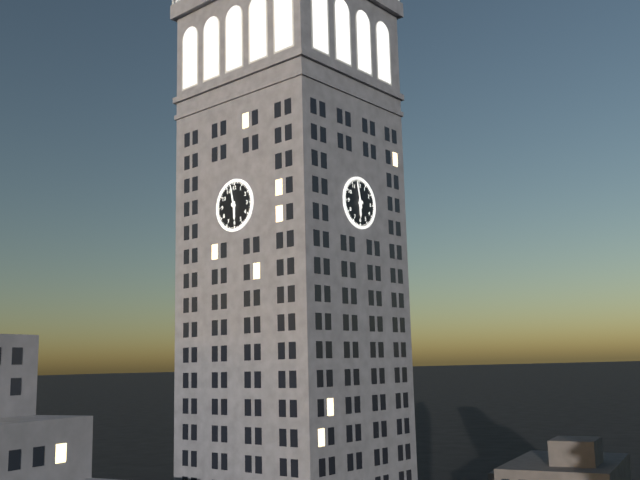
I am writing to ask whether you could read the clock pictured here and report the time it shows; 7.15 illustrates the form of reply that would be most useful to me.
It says 5.58
